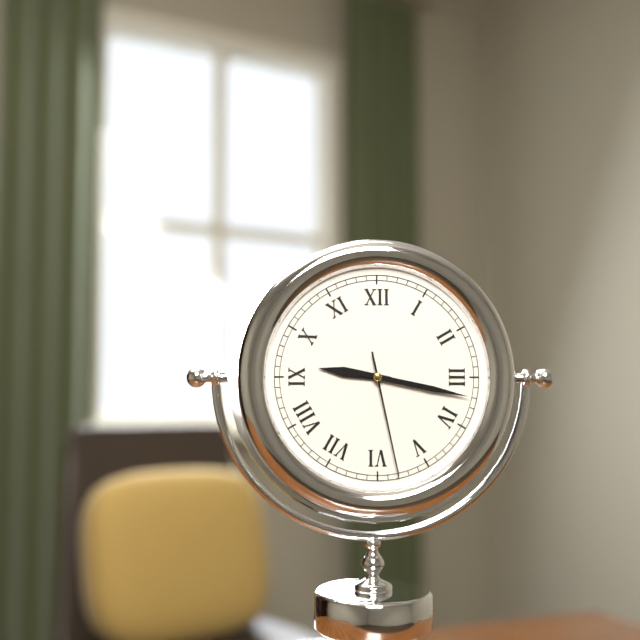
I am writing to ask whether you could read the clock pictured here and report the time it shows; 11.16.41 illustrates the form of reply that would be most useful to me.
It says 9.17.28
